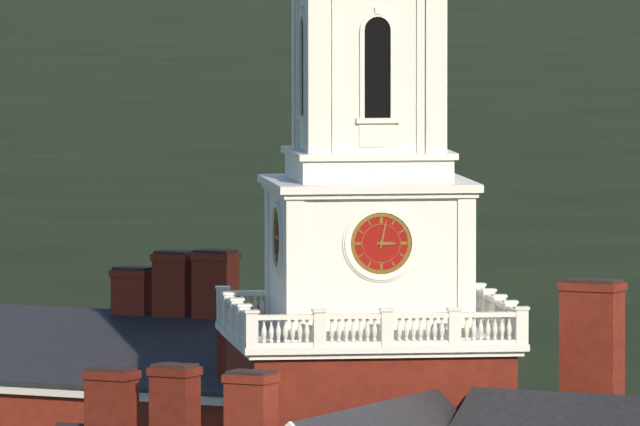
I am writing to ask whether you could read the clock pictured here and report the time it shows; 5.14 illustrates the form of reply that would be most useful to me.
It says 3.02
